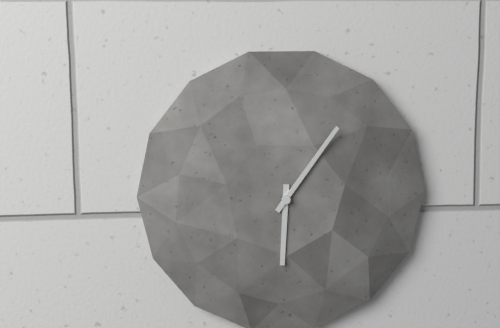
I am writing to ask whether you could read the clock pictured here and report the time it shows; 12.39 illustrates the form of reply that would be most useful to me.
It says 6.06
